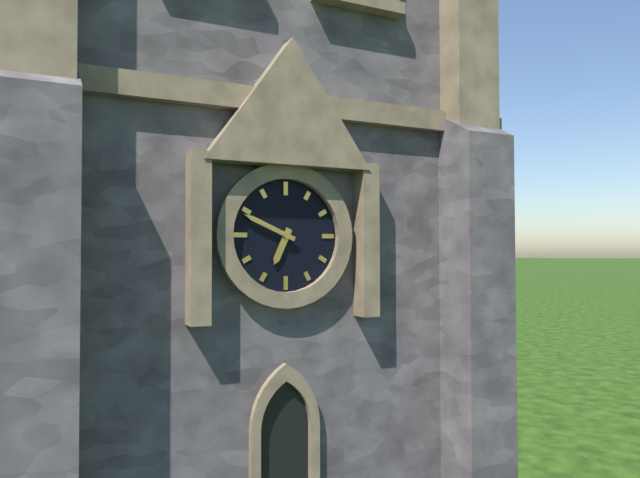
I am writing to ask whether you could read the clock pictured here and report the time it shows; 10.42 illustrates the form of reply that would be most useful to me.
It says 6.49
